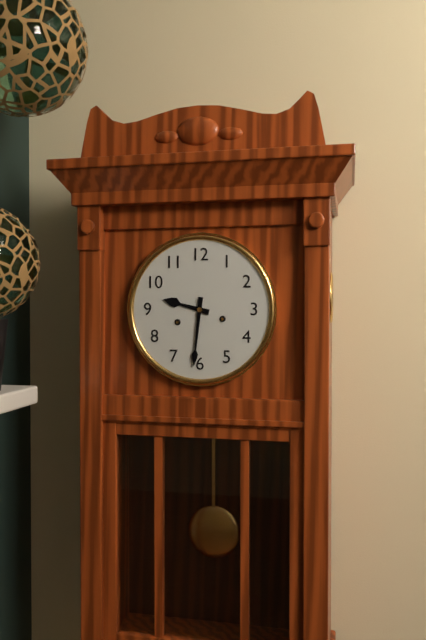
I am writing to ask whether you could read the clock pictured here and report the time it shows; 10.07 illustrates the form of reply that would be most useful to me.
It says 9.31
